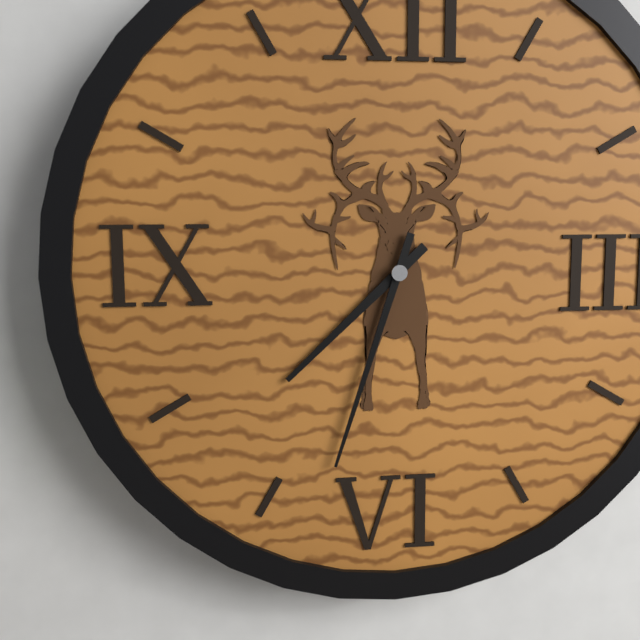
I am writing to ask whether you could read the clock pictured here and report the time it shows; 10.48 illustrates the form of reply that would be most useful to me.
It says 7.33
